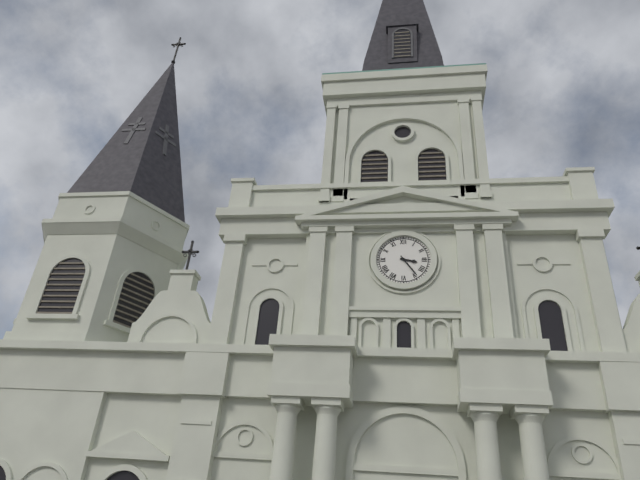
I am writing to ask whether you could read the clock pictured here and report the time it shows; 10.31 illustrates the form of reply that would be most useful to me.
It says 3.24
